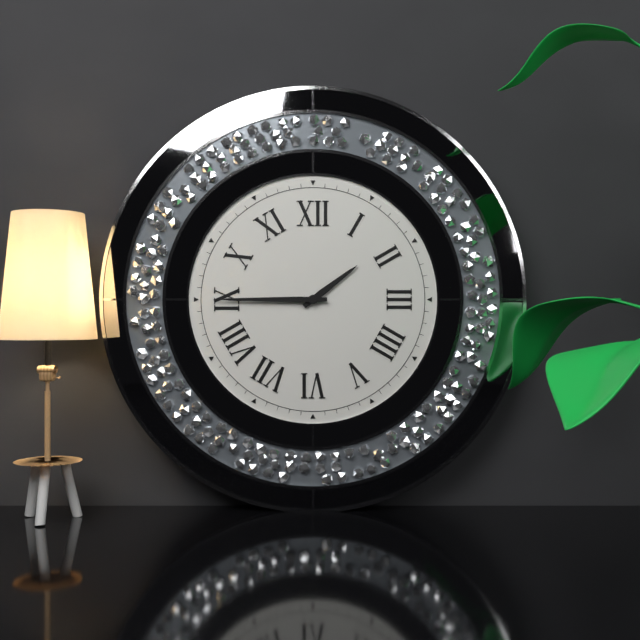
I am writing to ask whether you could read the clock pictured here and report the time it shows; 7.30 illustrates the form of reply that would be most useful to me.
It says 1.45
